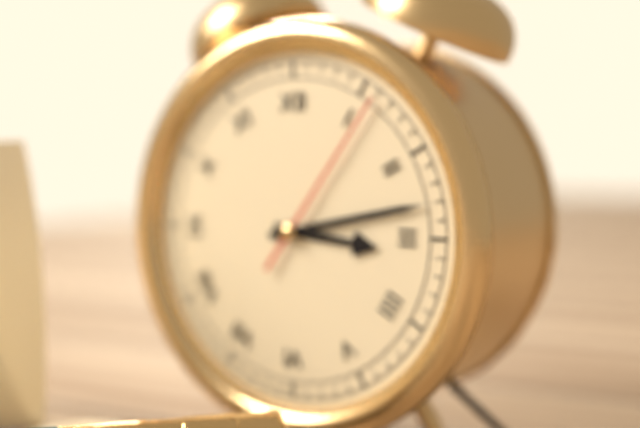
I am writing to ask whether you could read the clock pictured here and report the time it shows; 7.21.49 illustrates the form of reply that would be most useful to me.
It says 3.13.06
